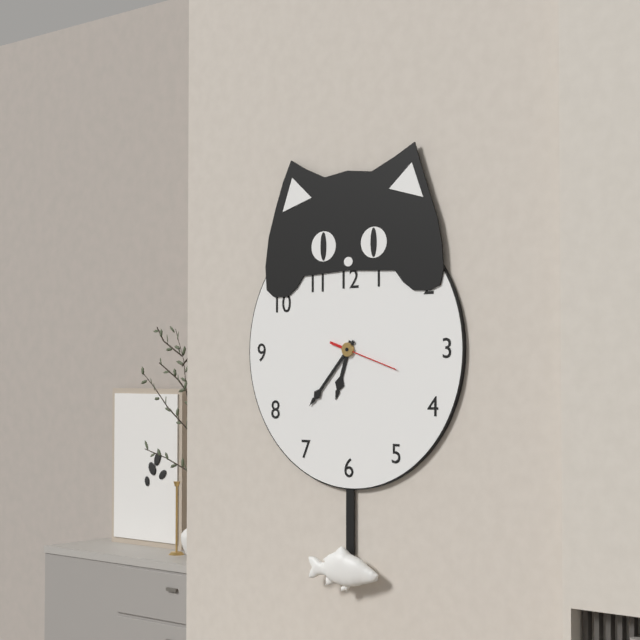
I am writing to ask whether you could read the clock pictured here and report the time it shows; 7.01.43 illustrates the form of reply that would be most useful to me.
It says 6.37.18
